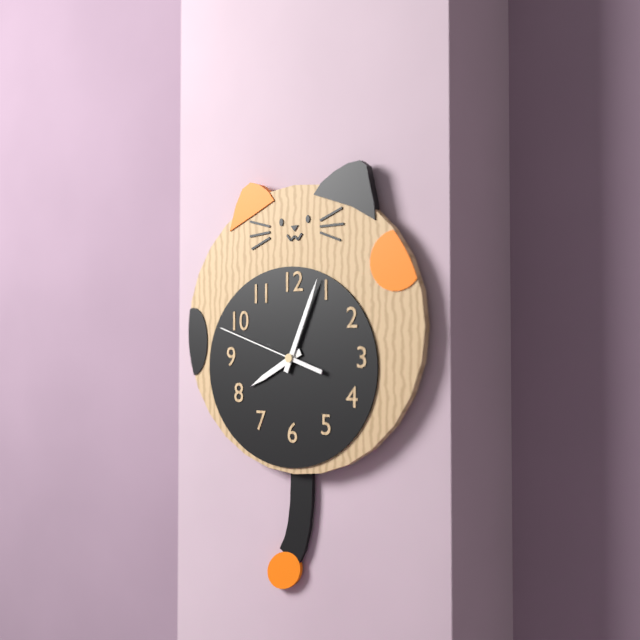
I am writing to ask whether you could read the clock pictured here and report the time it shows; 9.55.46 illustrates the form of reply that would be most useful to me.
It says 8.04.48
